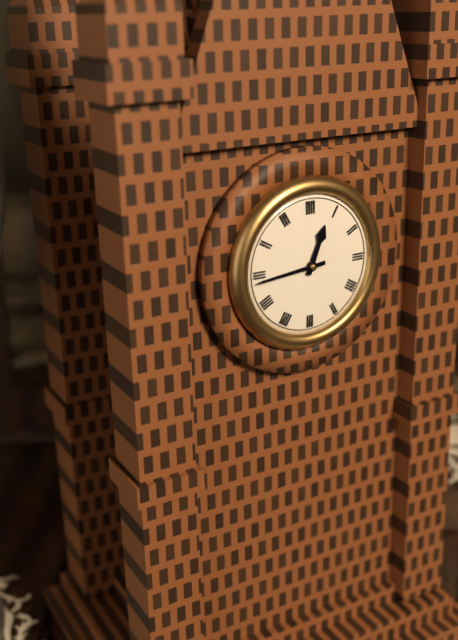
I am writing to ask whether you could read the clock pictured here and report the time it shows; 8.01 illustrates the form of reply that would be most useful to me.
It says 12.44
